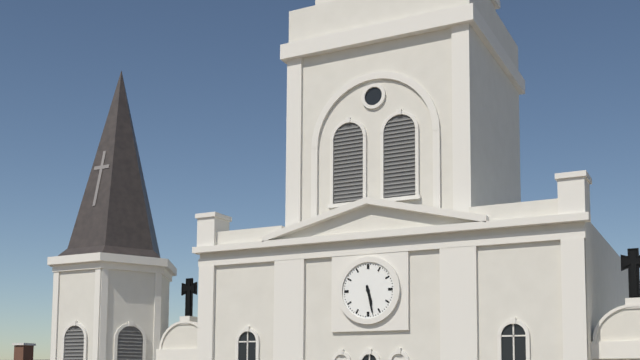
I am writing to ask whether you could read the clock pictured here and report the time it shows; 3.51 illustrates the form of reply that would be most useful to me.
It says 5.28
